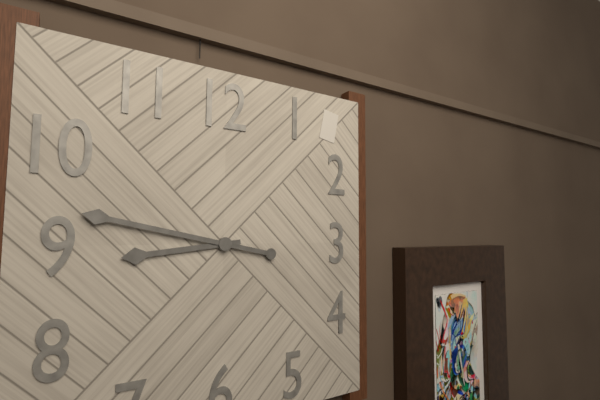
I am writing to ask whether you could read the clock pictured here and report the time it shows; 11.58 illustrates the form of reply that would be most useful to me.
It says 8.47
